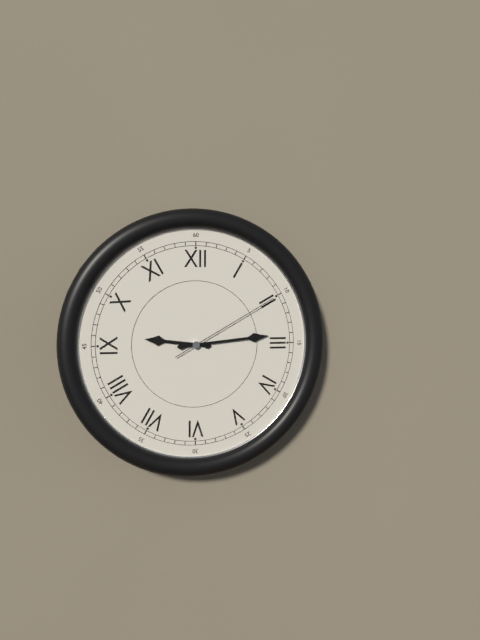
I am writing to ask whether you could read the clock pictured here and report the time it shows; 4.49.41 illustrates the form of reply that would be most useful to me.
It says 9.14.10
